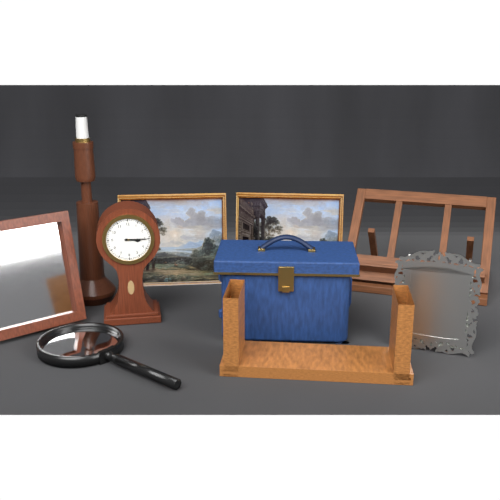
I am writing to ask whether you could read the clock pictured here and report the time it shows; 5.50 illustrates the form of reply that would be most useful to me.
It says 3.15
